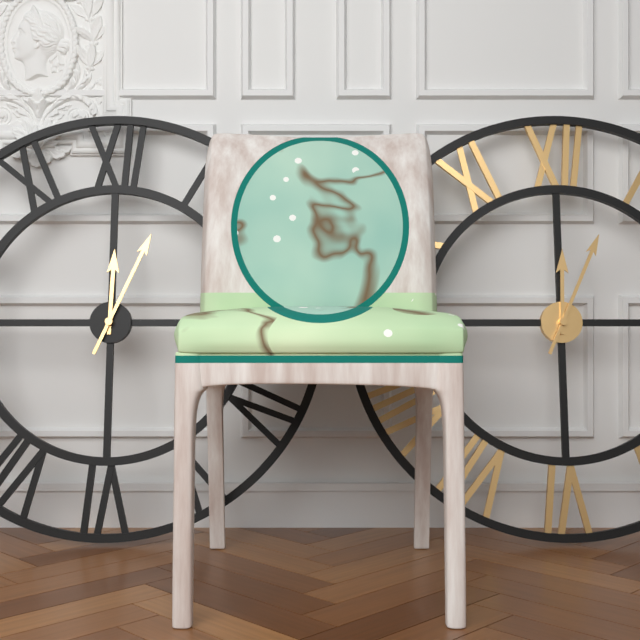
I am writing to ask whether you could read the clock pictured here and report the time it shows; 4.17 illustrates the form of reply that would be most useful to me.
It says 12.04
